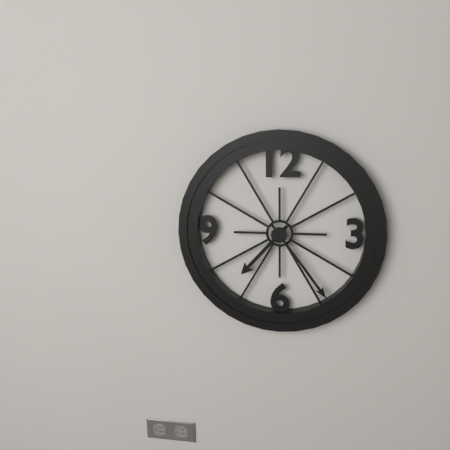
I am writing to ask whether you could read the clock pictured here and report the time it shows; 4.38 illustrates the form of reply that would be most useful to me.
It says 7.24
